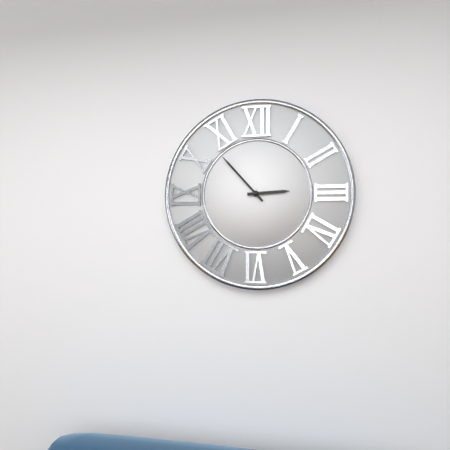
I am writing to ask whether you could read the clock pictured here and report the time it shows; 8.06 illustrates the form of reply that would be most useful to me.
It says 2.53
